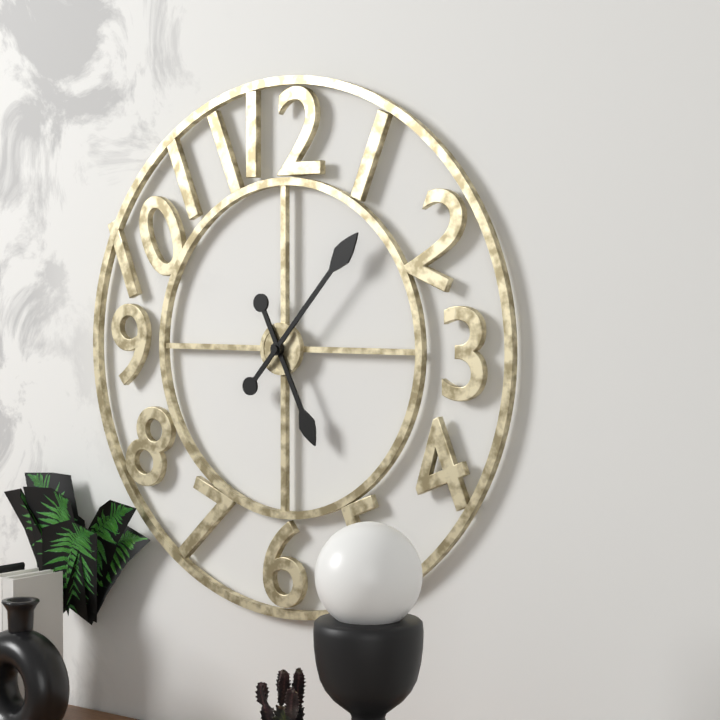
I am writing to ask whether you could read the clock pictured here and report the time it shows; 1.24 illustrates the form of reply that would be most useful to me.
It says 5.07
